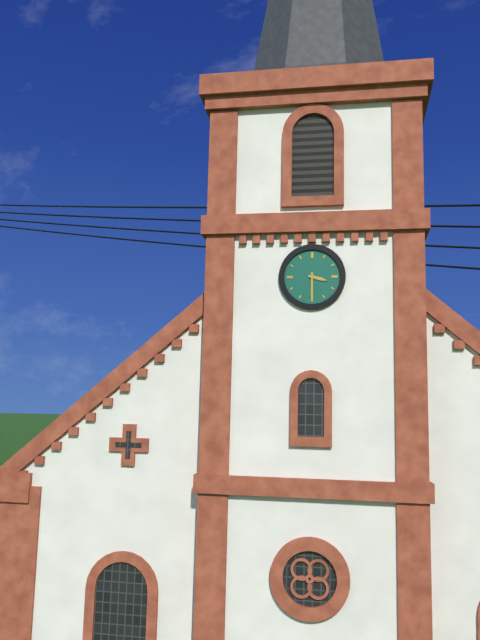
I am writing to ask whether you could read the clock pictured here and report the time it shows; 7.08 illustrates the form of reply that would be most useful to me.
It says 3.30
